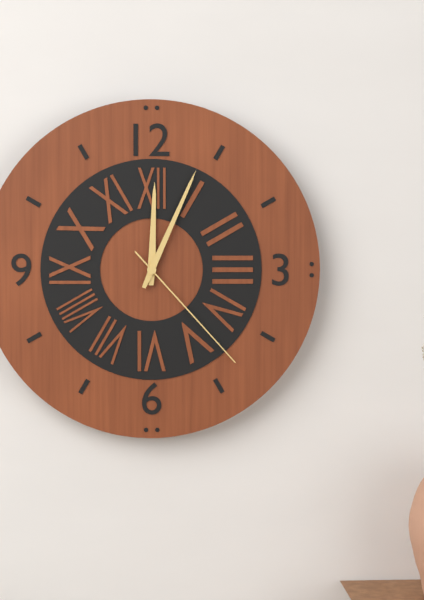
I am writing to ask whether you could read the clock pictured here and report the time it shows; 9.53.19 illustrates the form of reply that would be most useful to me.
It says 12.04.23
